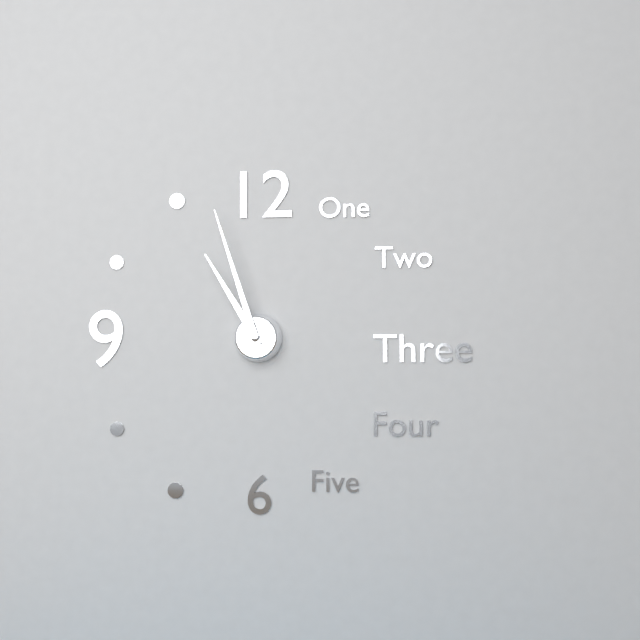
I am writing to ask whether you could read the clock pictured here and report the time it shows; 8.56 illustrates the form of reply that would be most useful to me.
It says 10.57
